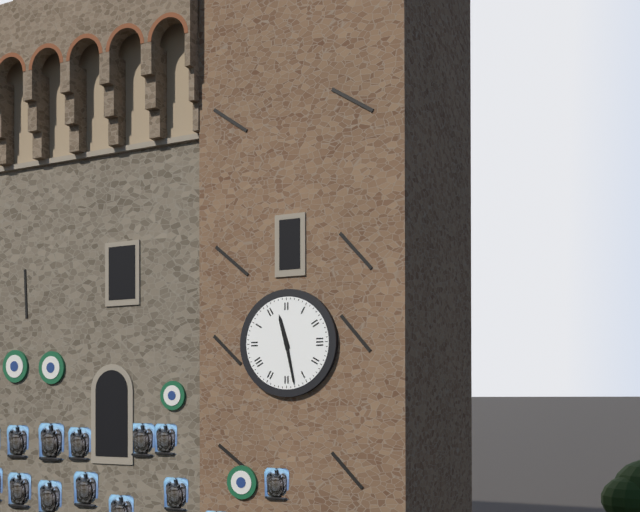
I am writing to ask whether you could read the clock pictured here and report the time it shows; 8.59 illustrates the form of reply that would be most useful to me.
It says 11.28
